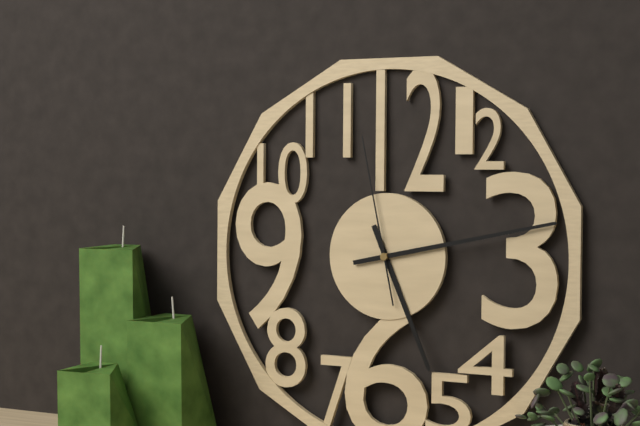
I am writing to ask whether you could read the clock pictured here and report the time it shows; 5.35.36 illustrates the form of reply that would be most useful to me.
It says 5.13.58
